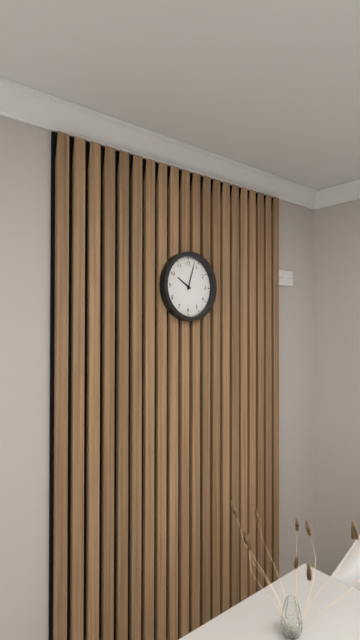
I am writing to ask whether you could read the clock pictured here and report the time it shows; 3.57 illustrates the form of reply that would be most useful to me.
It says 10.03
